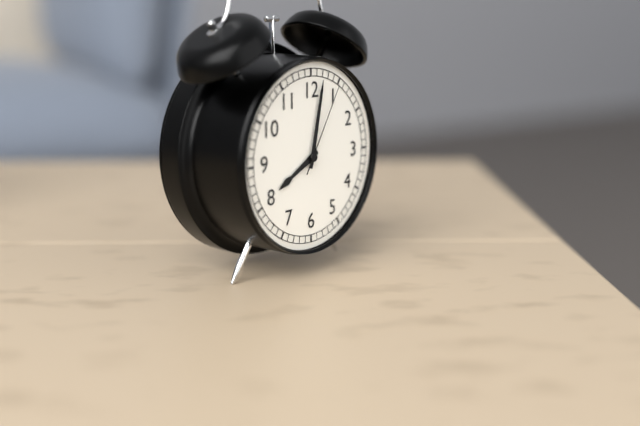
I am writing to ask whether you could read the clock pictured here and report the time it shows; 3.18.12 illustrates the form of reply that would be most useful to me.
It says 8.02.05
